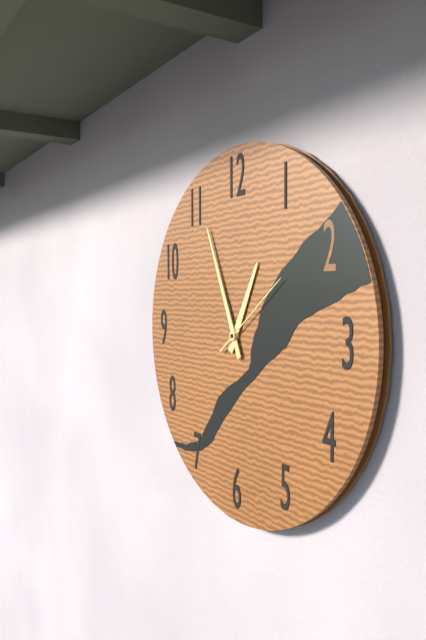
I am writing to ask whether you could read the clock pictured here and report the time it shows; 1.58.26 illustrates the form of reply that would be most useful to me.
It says 12.56.09
